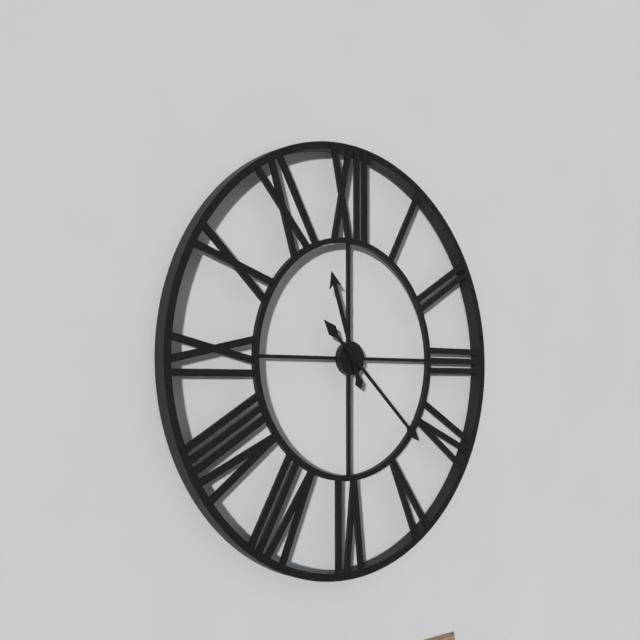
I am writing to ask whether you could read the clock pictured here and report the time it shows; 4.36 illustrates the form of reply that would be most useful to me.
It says 11.22
